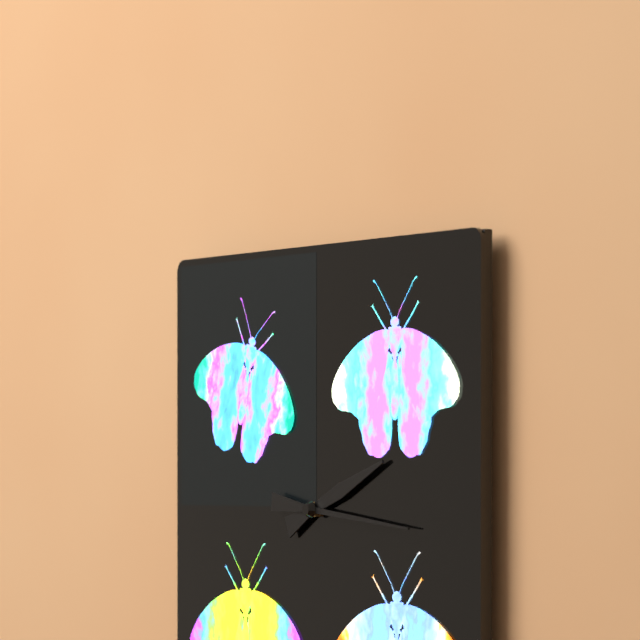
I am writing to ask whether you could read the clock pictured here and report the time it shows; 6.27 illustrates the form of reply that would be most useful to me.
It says 2.16
